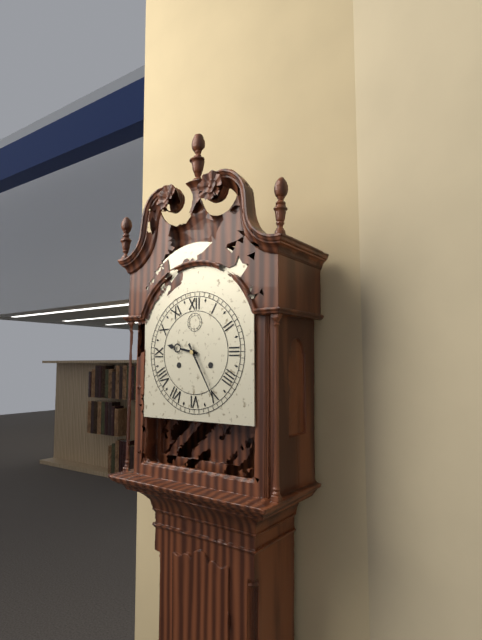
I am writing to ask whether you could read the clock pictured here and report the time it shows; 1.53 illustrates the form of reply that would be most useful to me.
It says 9.25
